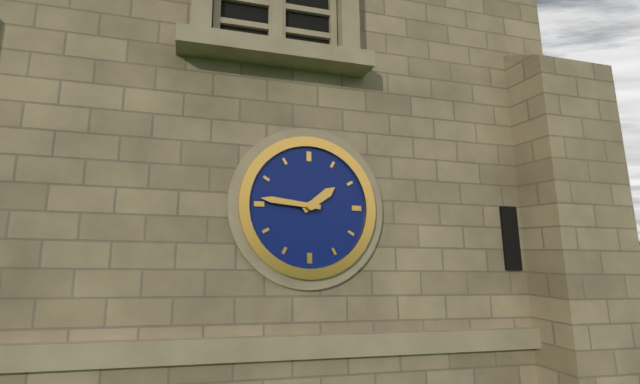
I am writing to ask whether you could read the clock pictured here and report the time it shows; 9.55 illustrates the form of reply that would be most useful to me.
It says 1.46
